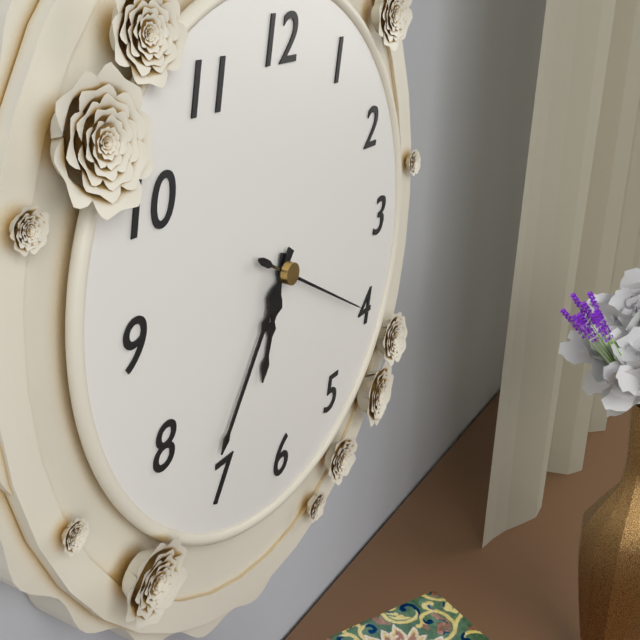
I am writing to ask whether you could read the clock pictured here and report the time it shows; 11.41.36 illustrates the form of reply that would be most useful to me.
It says 6.36.20
